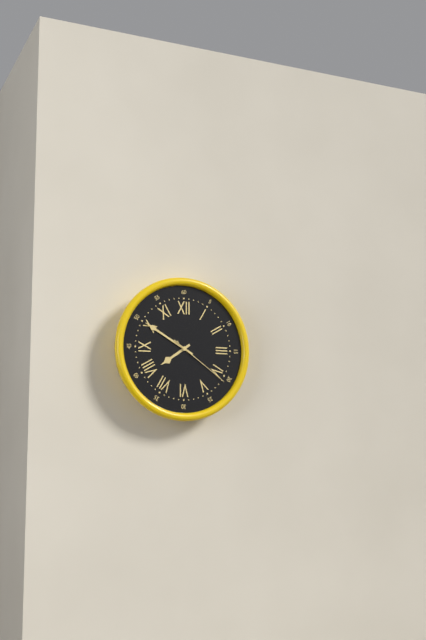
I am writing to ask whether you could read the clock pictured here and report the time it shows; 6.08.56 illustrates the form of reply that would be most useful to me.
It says 7.50.21
